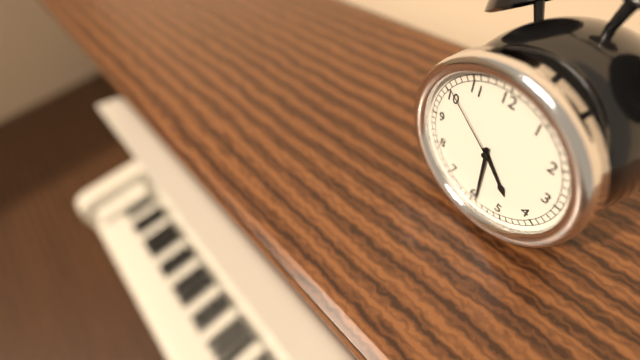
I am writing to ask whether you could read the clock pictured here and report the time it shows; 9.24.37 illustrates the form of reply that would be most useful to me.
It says 4.29.51
